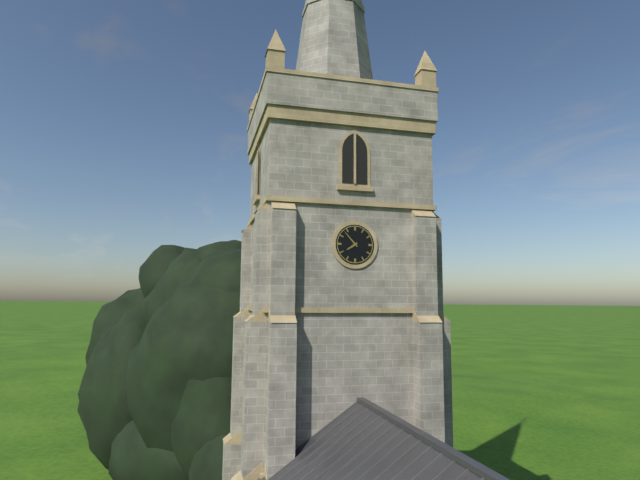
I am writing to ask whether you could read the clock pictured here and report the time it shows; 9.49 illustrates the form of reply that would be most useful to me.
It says 7.53
